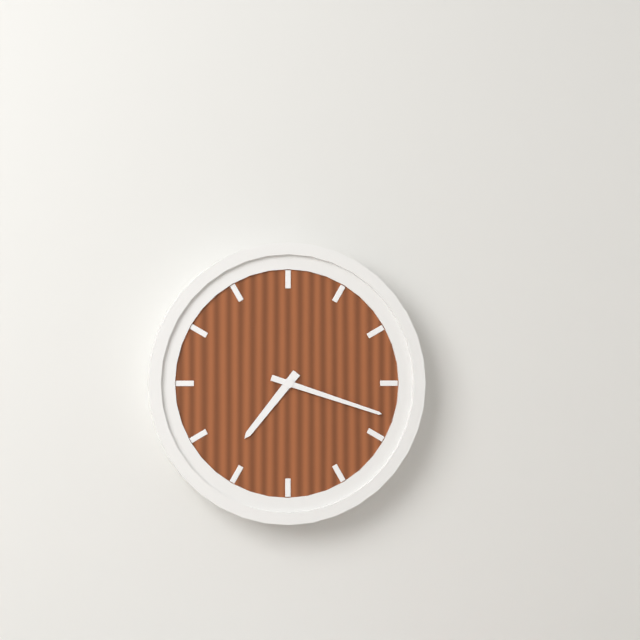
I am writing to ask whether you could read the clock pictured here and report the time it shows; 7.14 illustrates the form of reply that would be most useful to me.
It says 7.18
